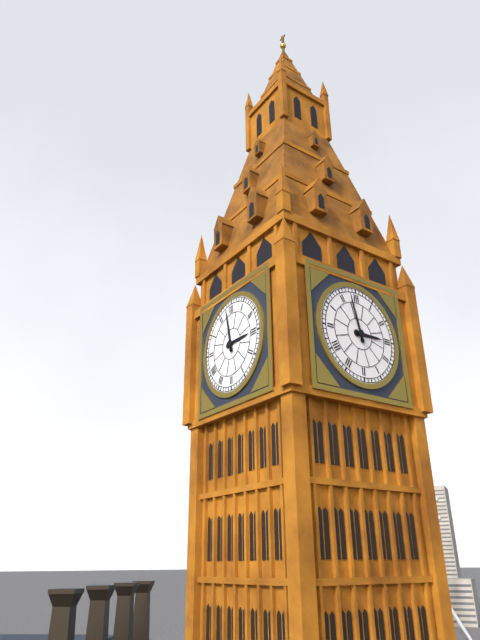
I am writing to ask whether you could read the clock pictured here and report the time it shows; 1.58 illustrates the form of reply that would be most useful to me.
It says 2.58
